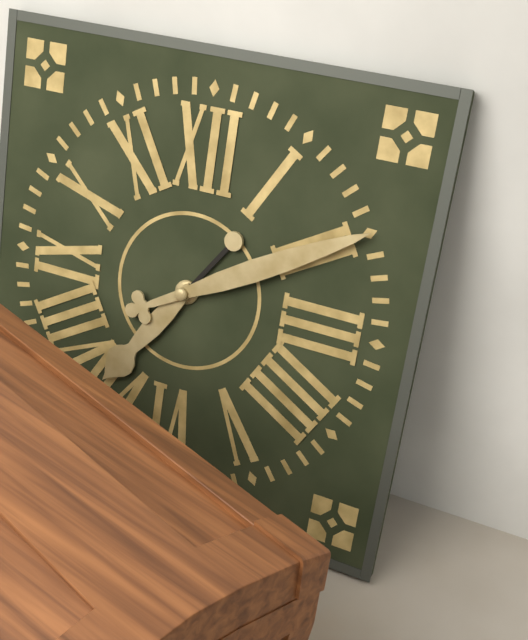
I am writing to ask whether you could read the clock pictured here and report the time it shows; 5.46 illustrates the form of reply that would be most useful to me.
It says 7.10
